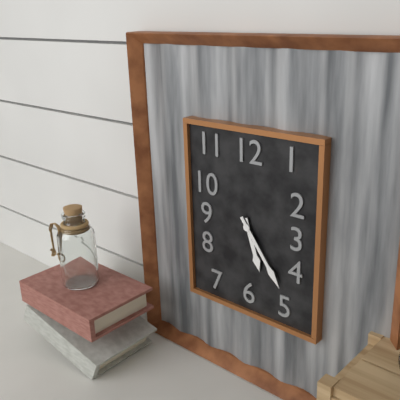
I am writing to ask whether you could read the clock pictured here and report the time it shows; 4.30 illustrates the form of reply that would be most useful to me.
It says 5.24
